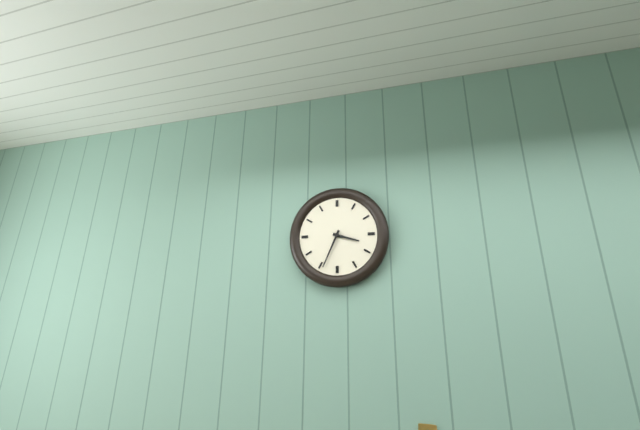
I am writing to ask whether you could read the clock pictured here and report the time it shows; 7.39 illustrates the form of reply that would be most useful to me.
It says 3.34
